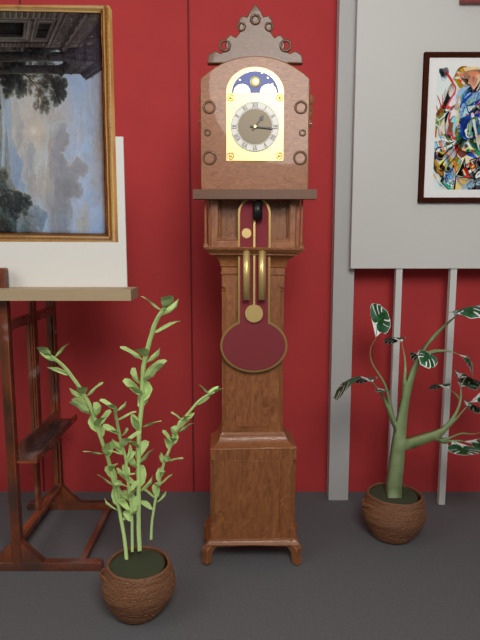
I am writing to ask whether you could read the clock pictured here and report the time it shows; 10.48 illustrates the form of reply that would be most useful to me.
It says 1.16
